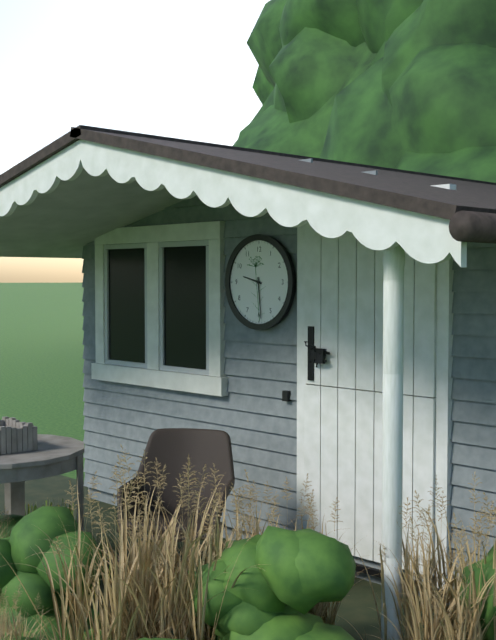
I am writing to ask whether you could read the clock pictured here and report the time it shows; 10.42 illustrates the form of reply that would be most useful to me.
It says 9.29
